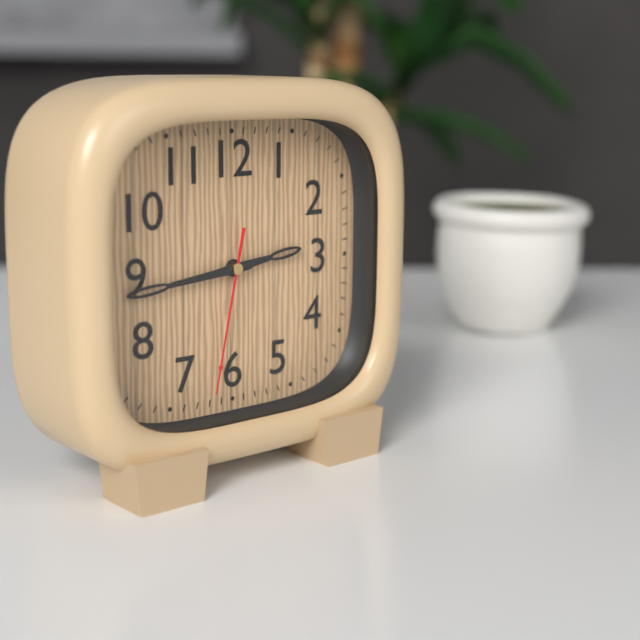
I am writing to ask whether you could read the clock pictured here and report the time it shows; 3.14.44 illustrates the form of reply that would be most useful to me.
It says 2.44.32
